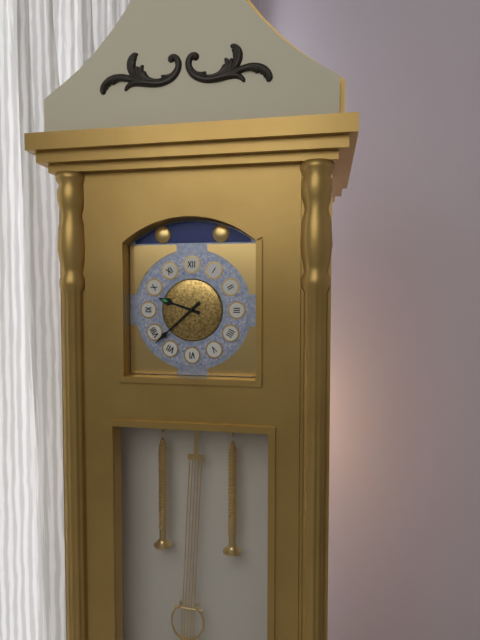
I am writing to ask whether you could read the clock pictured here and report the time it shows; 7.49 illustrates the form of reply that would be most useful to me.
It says 9.38
